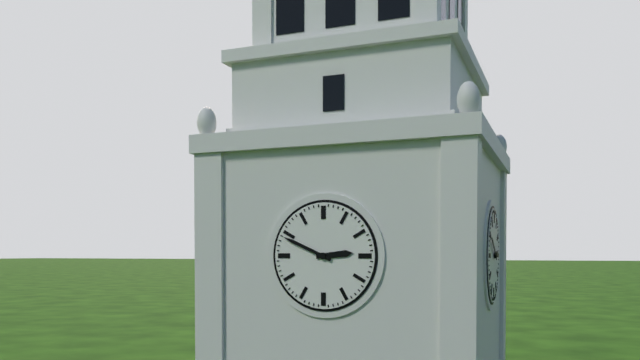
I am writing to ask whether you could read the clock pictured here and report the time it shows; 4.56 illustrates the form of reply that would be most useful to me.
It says 2.49
